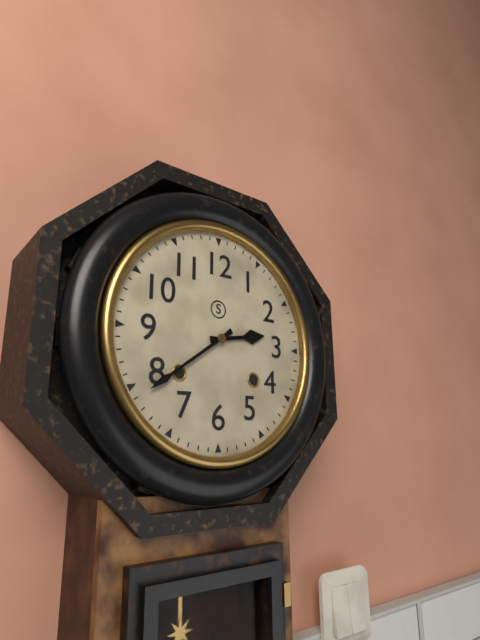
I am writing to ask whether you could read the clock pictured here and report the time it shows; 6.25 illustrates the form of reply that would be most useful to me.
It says 2.39
